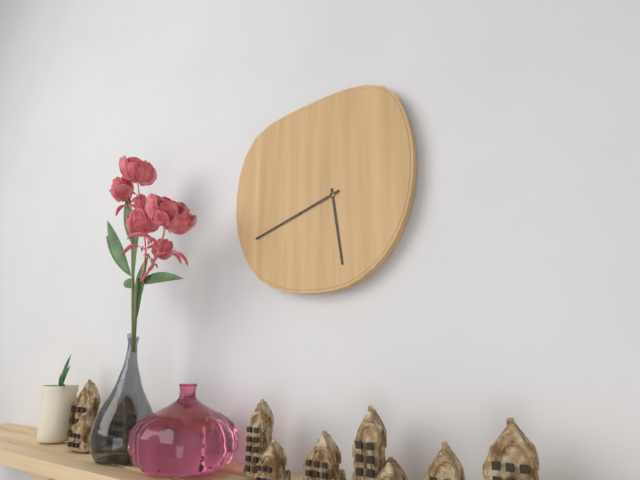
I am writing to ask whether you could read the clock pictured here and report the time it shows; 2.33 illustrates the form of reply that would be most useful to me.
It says 5.42
